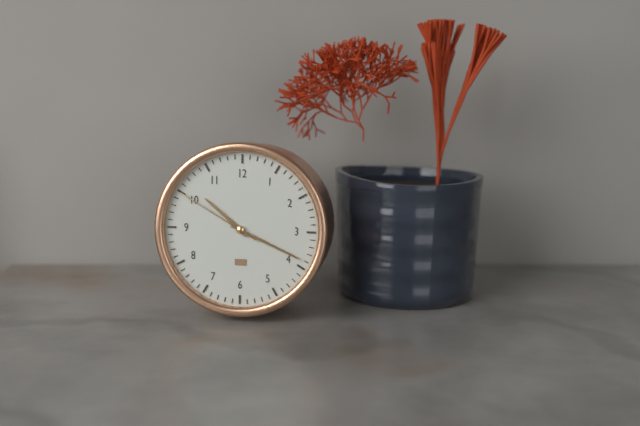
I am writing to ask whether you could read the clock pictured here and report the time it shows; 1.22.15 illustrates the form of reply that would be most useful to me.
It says 10.19.50
